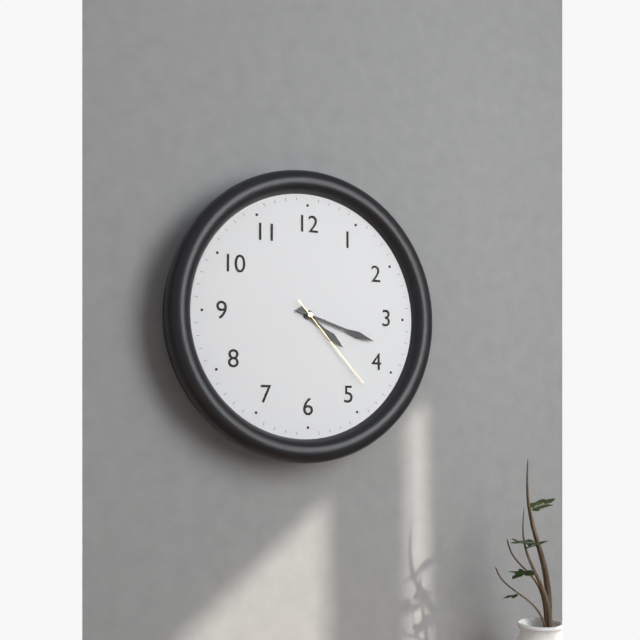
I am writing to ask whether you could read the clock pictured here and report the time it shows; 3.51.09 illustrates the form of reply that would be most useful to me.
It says 4.18.23
